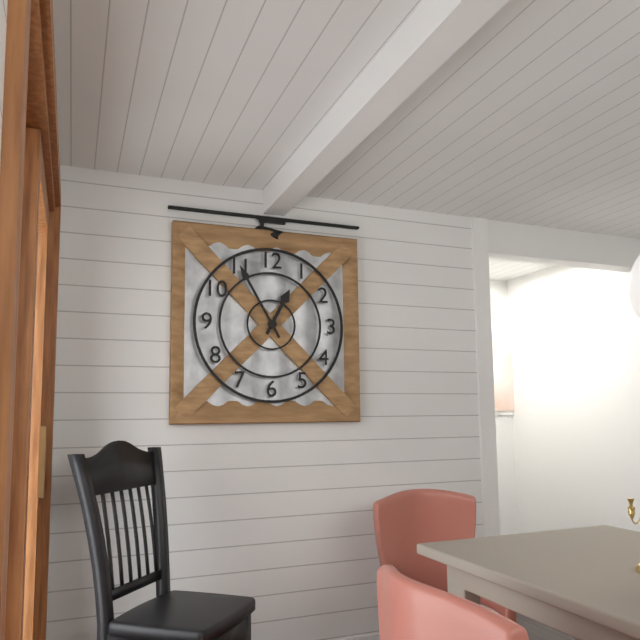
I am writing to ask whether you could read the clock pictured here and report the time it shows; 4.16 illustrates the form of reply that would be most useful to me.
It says 12.55
